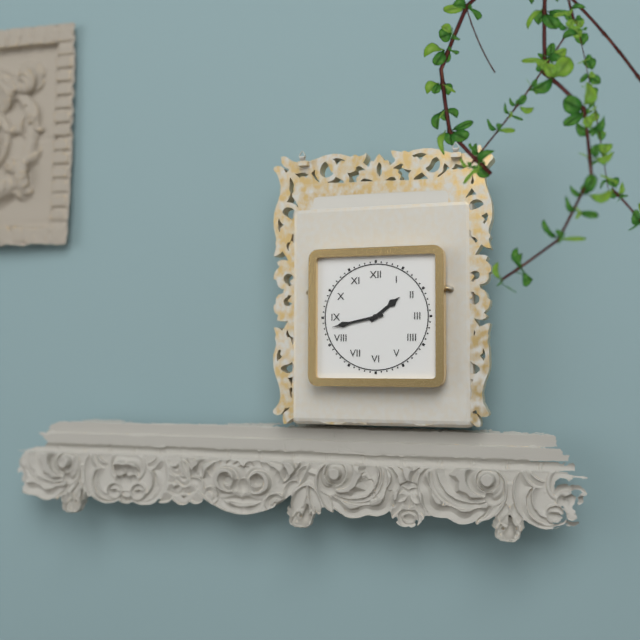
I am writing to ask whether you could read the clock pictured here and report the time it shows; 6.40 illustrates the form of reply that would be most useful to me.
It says 1.43
